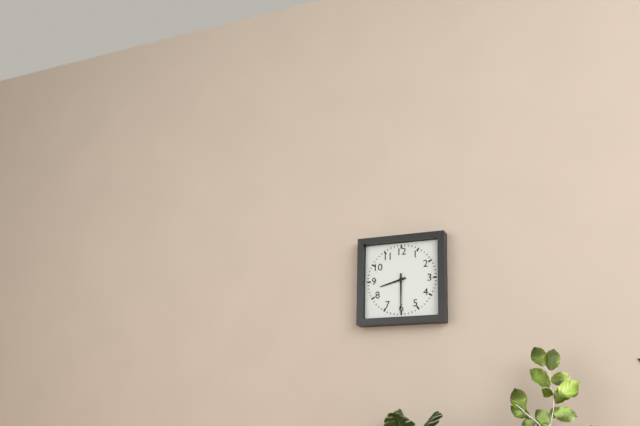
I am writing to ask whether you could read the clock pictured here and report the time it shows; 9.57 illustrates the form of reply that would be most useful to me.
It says 8.30
